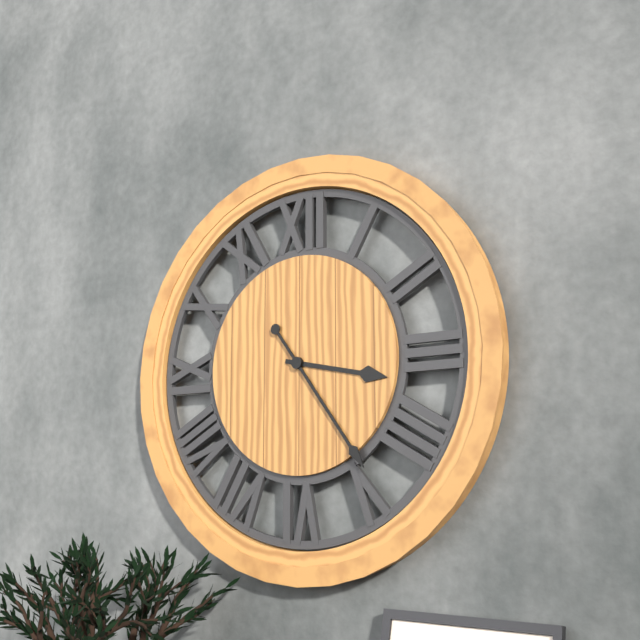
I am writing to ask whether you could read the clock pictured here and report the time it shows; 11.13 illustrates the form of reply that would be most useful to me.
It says 3.24
